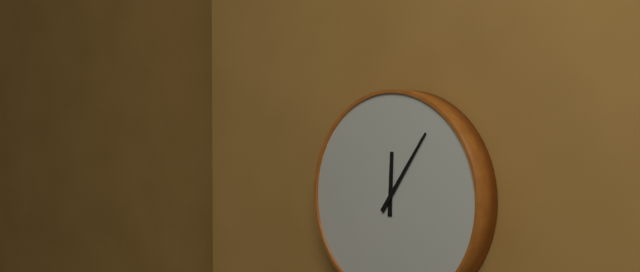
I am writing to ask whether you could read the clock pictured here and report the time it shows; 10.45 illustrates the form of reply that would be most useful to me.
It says 12.06
